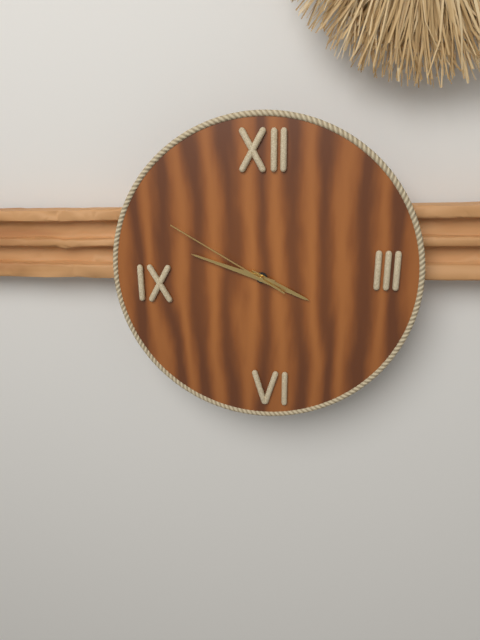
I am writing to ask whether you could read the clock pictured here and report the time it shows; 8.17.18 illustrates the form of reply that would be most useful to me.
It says 3.48.50
